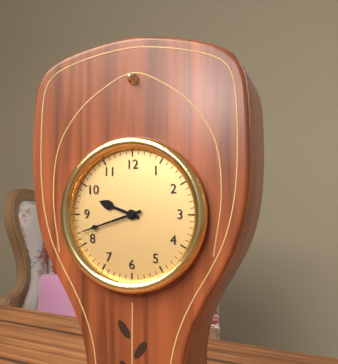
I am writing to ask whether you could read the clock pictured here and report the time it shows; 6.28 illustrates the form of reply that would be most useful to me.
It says 9.42
